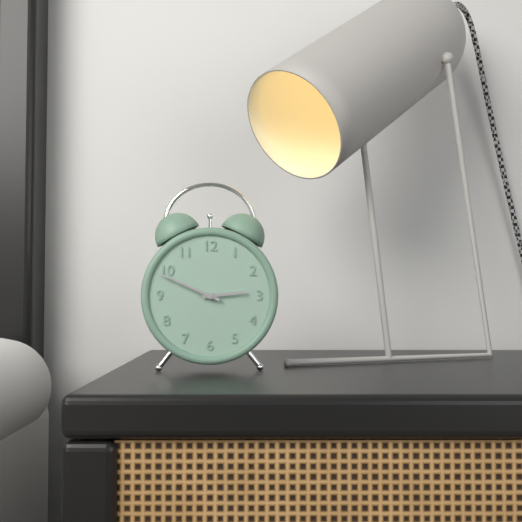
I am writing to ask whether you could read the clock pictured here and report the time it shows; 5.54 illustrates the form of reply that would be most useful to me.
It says 2.49
